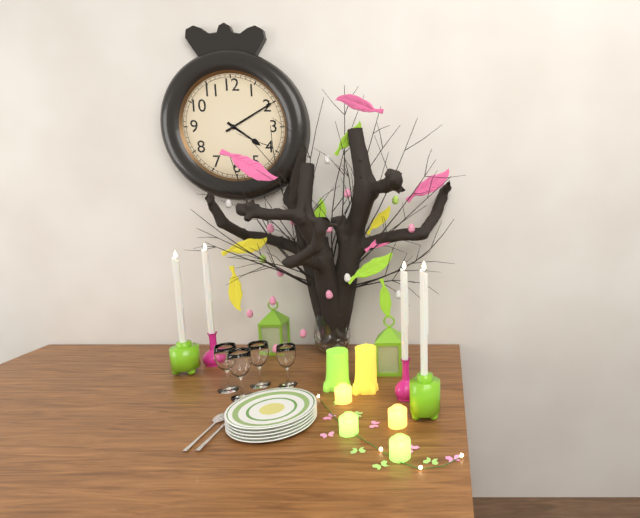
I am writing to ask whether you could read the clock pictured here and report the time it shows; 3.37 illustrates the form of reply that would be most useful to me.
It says 4.10
